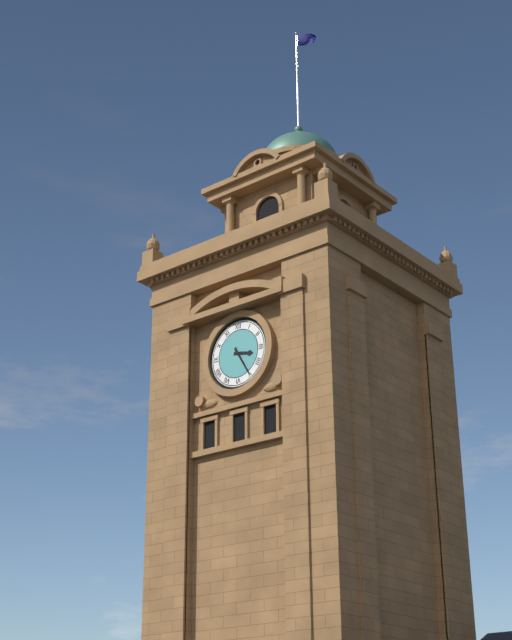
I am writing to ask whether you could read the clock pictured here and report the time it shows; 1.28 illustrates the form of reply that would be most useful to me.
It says 3.25
